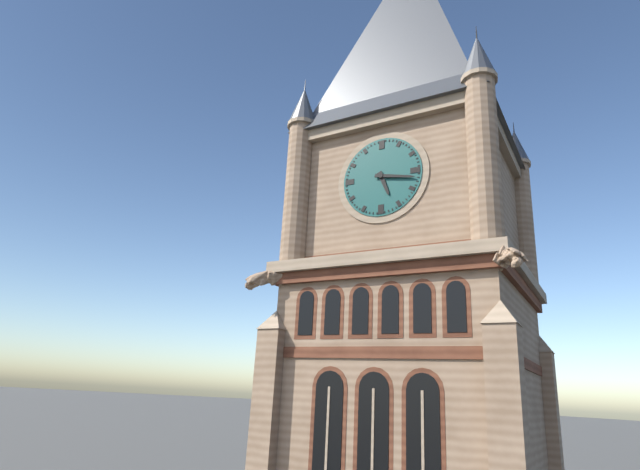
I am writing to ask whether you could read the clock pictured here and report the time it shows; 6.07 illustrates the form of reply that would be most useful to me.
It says 5.17
